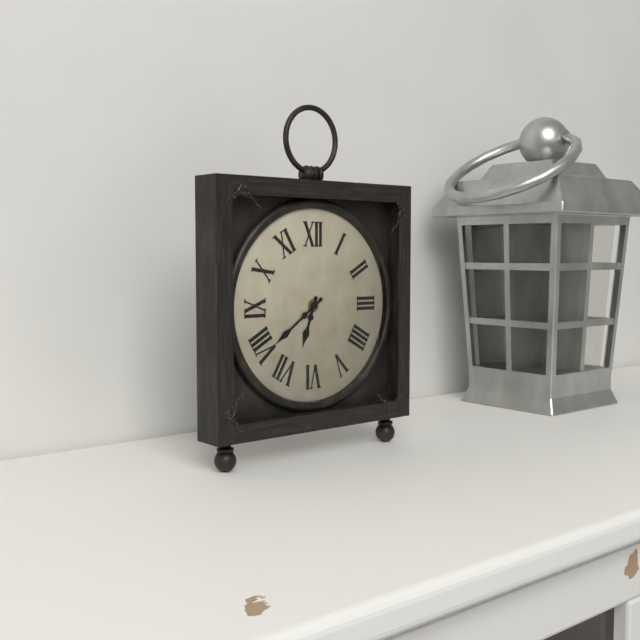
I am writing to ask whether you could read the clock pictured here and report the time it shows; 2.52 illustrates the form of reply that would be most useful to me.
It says 6.39
